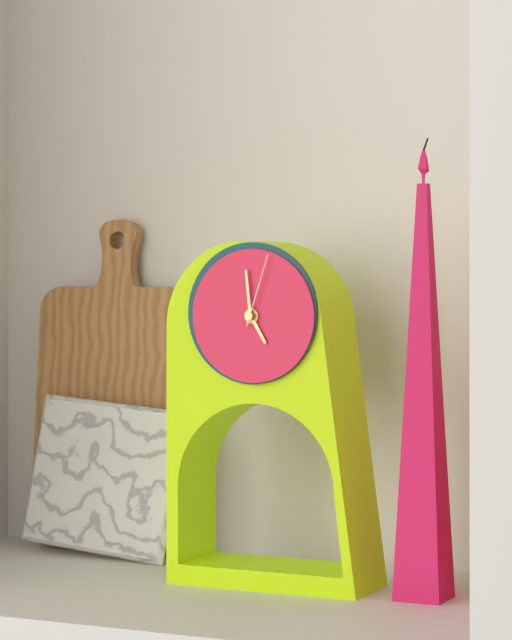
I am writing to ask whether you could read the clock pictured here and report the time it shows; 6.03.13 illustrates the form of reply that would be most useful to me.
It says 4.59.03
